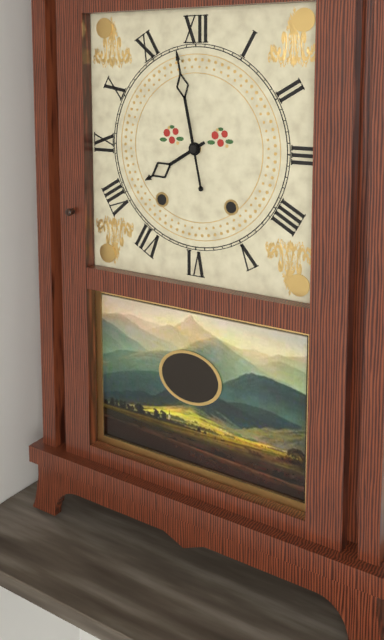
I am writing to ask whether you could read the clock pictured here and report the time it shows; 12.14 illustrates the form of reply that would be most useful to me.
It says 7.58
